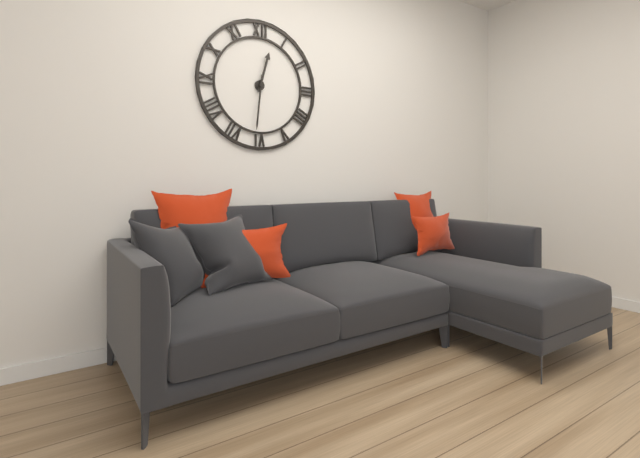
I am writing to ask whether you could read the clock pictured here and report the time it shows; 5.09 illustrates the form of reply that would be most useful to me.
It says 12.31
